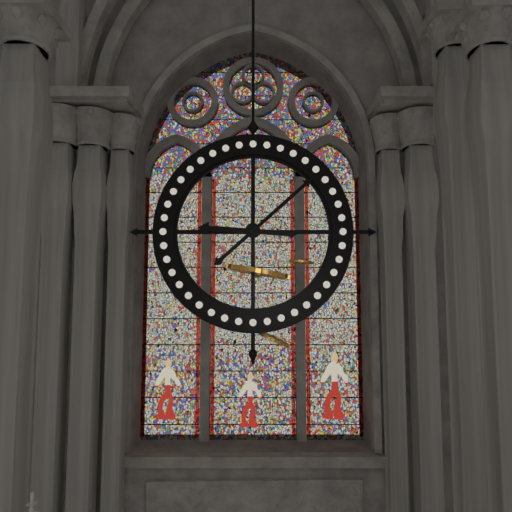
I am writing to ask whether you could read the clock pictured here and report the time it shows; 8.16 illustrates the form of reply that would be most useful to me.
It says 9.08
